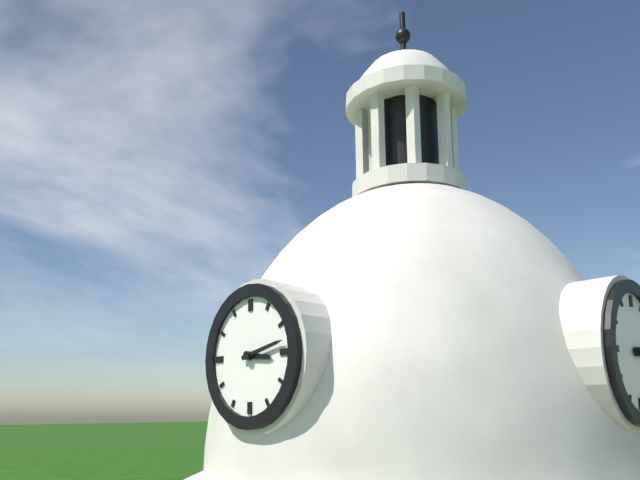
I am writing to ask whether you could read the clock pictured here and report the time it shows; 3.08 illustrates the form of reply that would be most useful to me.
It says 3.13
